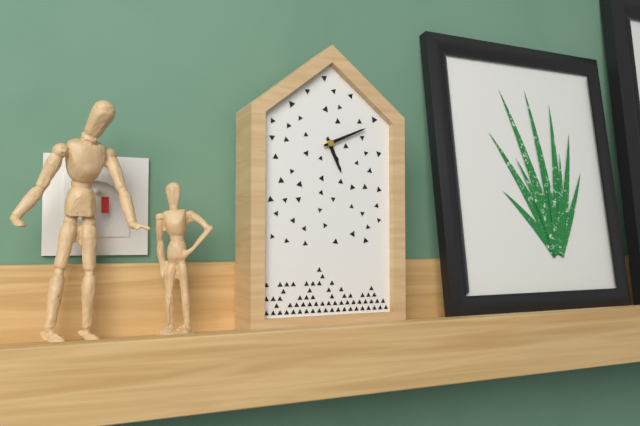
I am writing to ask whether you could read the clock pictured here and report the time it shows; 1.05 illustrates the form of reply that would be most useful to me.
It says 5.11
